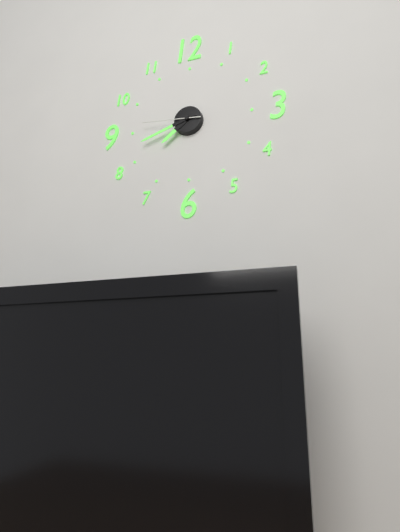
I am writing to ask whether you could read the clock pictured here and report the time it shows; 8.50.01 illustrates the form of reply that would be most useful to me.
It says 7.42.46
